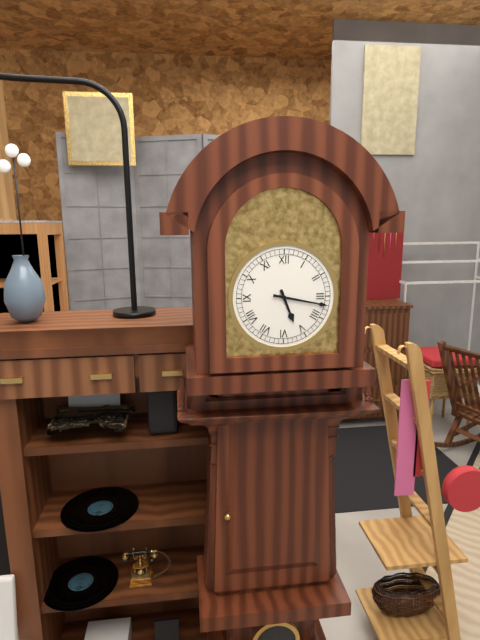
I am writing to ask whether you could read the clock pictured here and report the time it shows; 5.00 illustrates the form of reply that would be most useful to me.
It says 5.17
